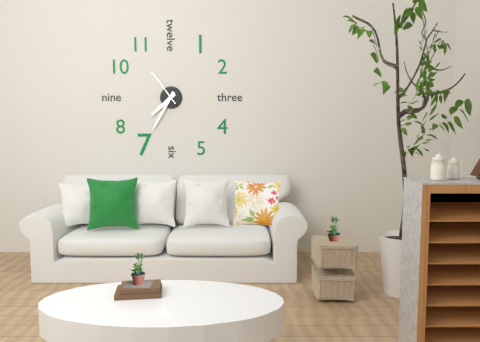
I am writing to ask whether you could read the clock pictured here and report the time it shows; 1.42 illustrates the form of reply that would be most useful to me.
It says 7.35
